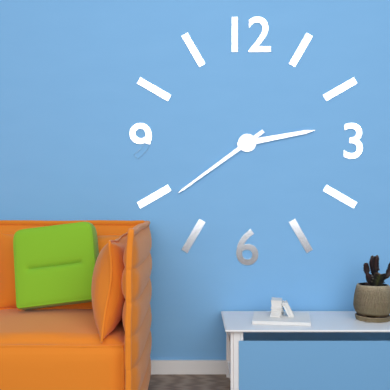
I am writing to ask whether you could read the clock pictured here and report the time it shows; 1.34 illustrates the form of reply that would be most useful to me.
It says 2.39
